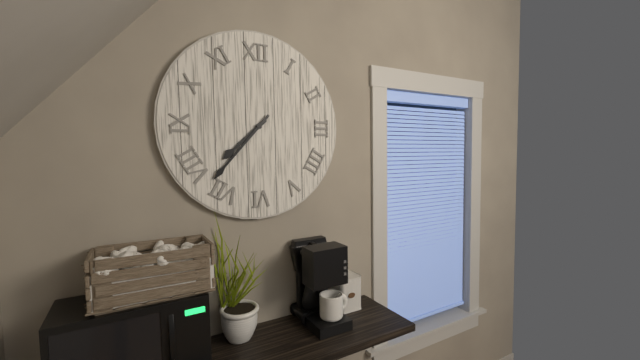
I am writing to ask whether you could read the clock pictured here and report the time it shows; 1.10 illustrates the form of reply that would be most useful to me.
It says 7.37
